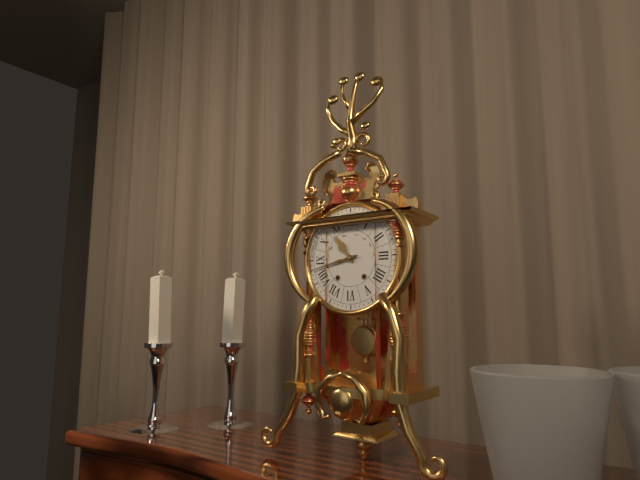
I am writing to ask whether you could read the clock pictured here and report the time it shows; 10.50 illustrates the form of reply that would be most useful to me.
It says 10.43
